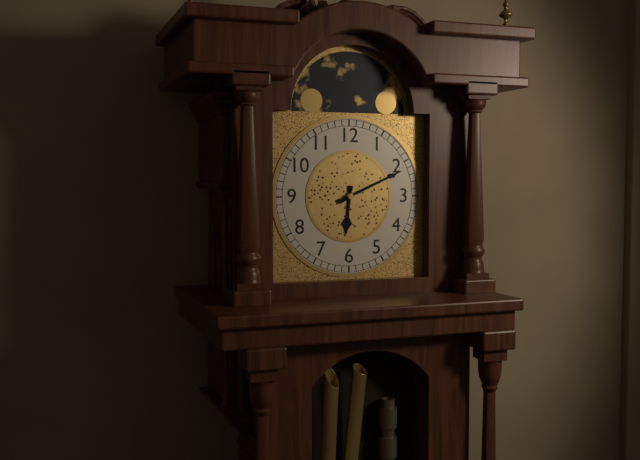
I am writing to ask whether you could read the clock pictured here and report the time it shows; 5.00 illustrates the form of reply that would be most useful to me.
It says 6.11
